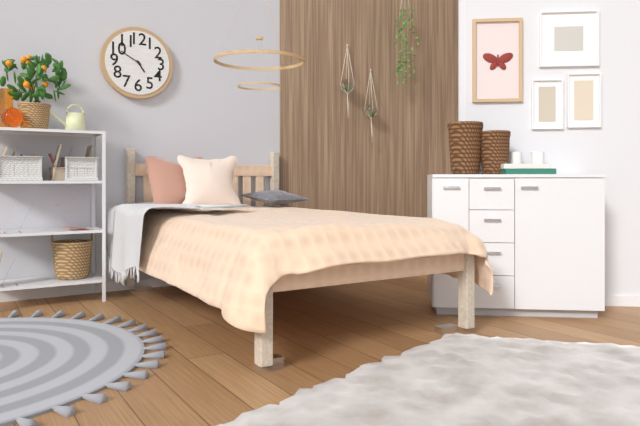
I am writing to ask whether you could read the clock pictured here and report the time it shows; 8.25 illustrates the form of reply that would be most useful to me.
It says 4.50
